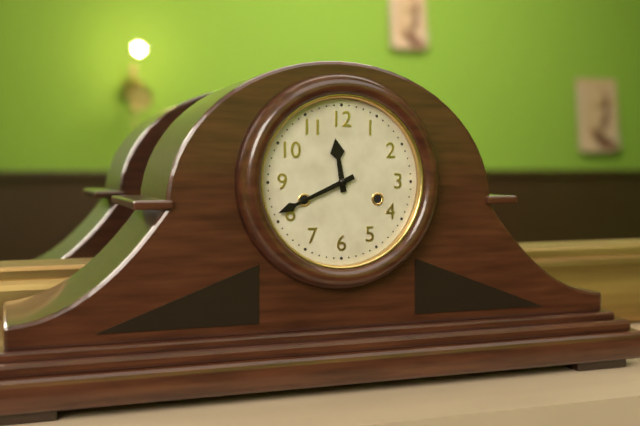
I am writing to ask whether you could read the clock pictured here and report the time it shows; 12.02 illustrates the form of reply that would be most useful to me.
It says 11.41
